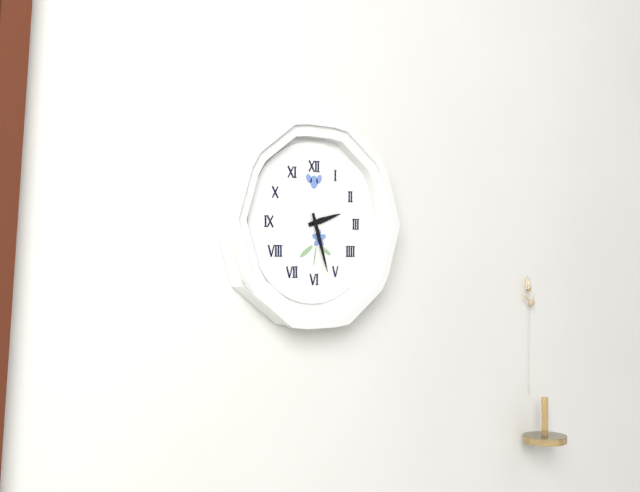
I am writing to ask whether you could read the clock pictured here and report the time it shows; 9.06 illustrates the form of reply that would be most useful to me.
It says 2.27
